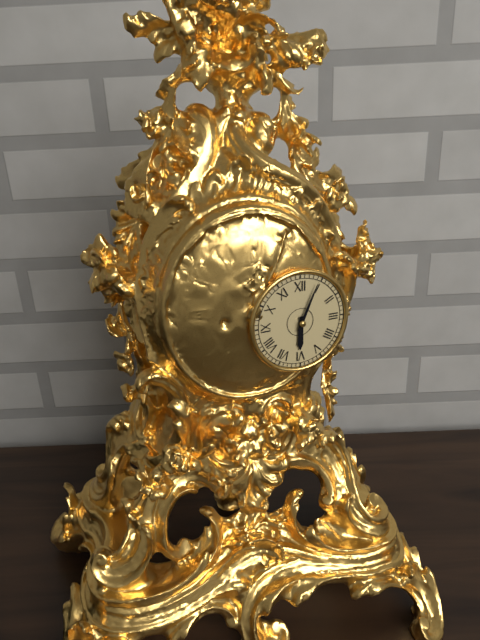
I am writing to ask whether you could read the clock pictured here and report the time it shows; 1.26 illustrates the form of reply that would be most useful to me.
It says 6.04
